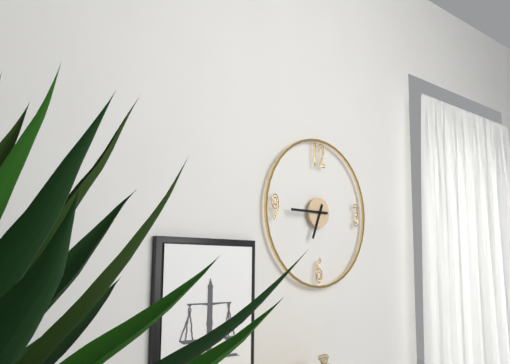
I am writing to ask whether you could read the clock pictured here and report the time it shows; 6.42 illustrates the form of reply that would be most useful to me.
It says 6.45
